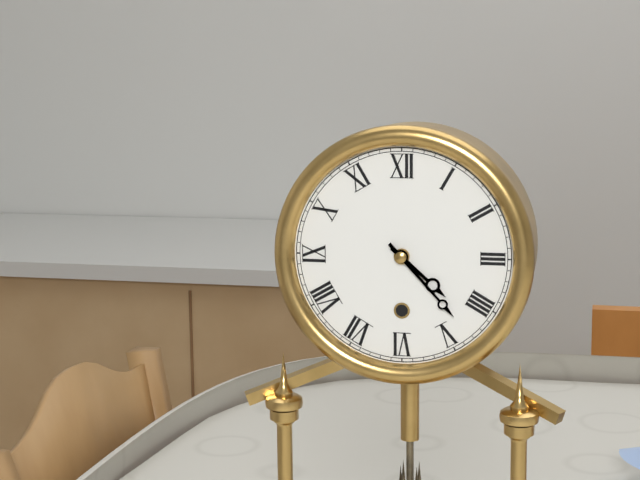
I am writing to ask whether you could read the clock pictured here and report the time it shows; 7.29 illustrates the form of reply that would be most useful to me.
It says 4.23
